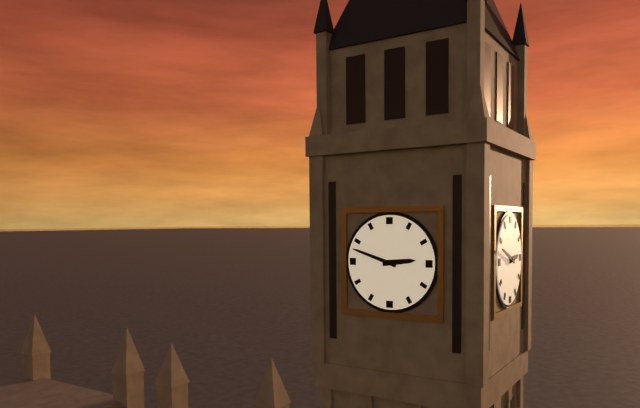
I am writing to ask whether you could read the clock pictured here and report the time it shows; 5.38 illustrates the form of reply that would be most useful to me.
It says 2.48
